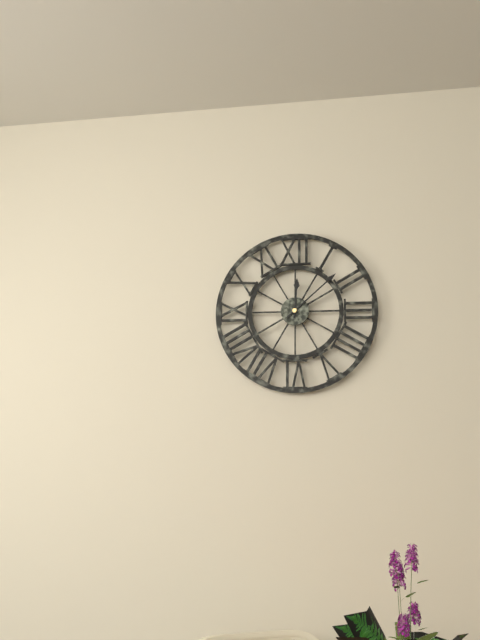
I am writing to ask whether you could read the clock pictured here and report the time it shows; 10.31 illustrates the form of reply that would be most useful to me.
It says 12.08
